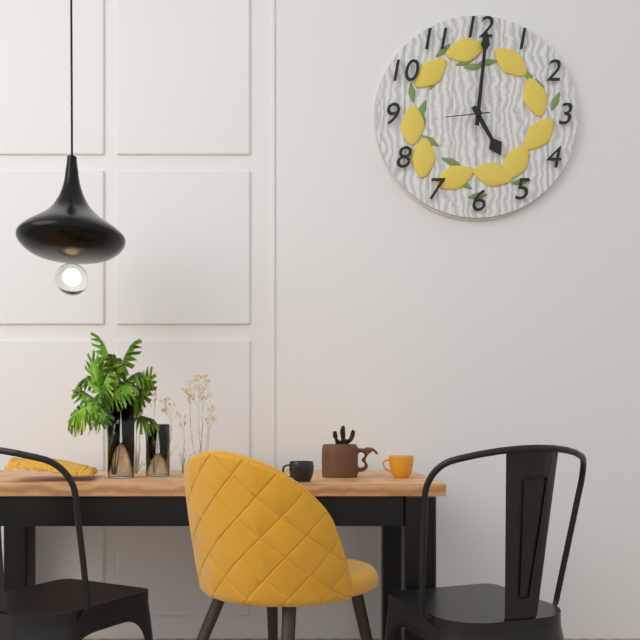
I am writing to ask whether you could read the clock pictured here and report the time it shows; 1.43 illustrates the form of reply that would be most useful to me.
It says 5.01
